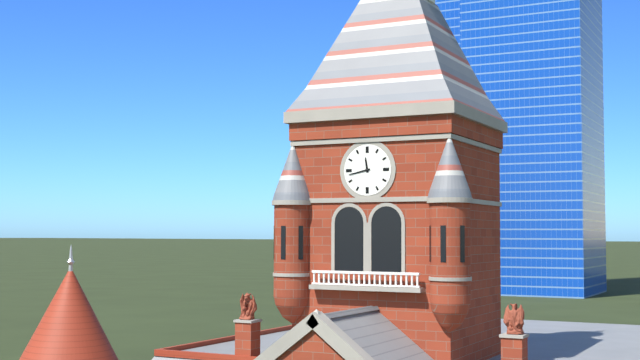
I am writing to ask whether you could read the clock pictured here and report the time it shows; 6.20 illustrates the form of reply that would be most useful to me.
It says 11.43
